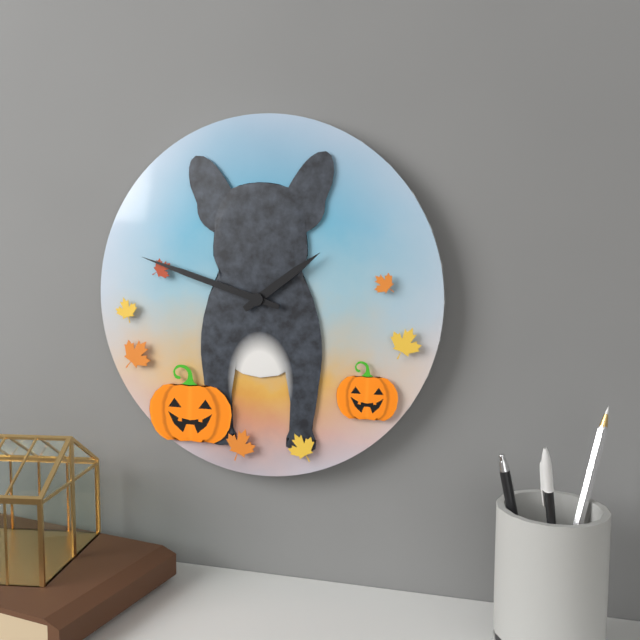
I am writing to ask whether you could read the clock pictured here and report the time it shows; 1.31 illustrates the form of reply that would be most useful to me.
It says 1.48
